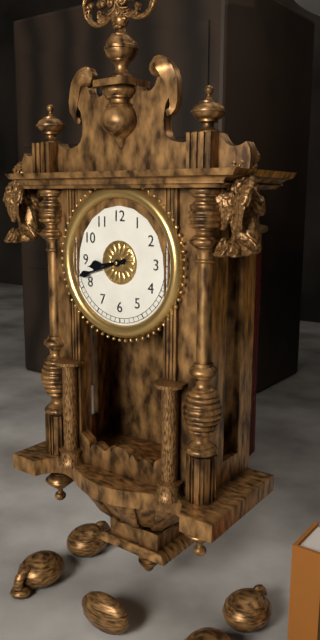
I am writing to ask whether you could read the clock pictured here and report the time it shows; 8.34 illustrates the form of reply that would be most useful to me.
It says 8.42
